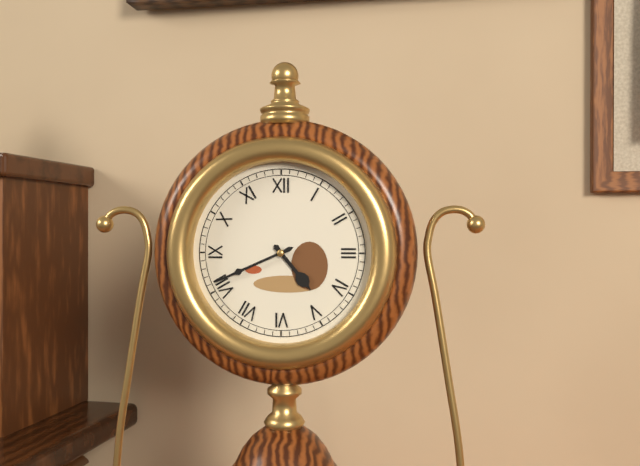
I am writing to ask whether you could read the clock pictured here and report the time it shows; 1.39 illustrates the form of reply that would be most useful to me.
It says 4.41
